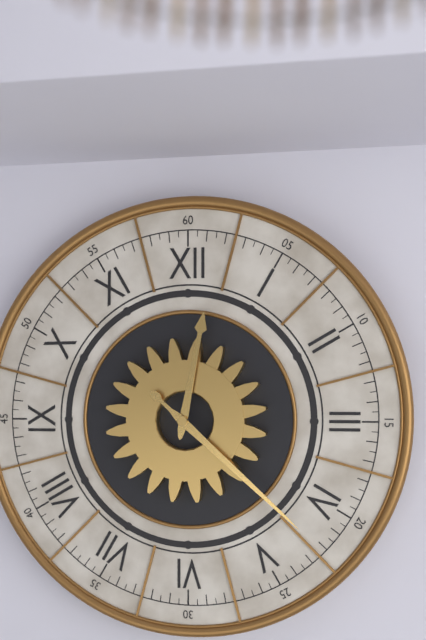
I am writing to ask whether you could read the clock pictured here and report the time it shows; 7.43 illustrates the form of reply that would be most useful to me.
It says 12.22
